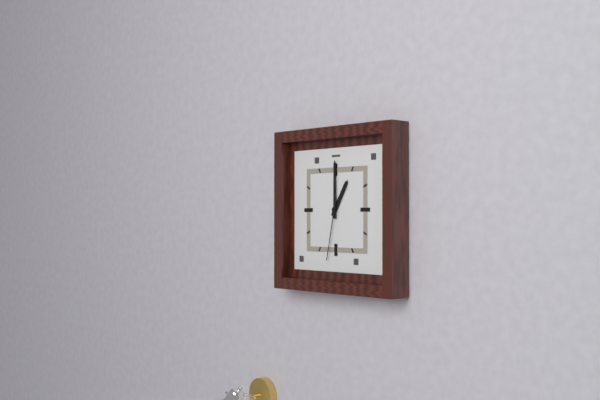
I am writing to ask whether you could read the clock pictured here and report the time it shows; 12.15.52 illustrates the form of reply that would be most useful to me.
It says 1.00.32
